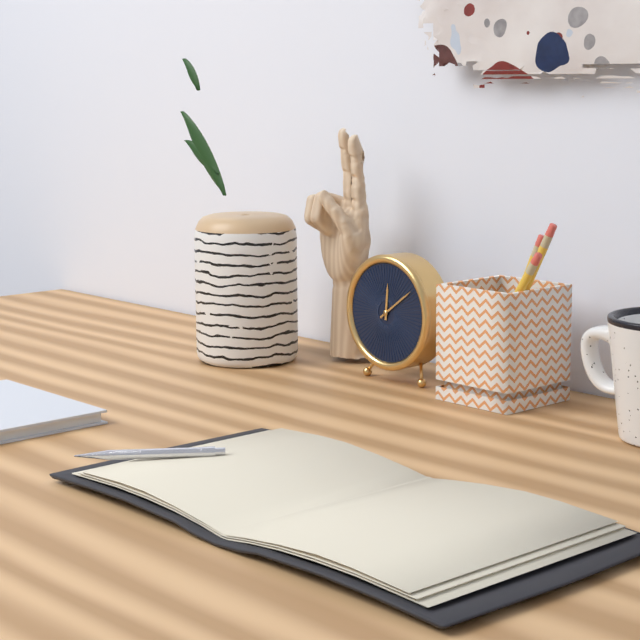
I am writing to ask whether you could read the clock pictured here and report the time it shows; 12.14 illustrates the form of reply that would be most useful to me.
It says 12.09
